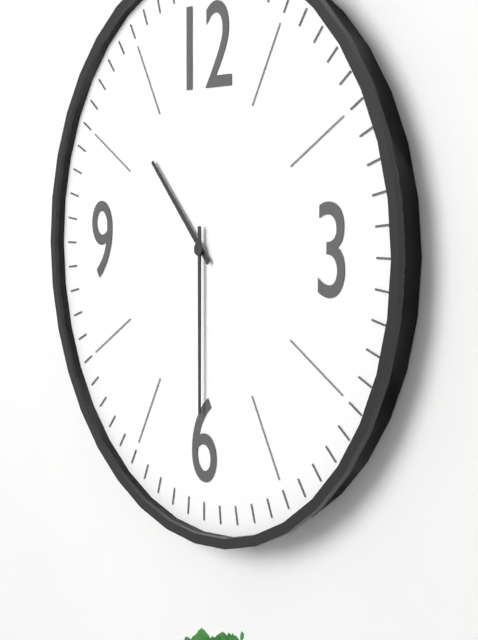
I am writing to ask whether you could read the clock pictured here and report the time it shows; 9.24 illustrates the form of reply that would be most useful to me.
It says 10.30
